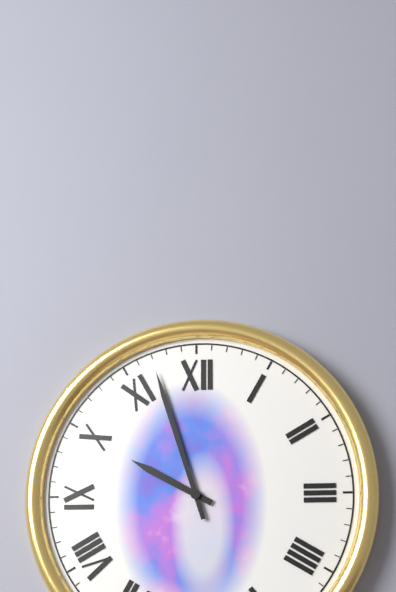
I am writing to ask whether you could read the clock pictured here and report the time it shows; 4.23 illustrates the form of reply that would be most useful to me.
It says 9.57
